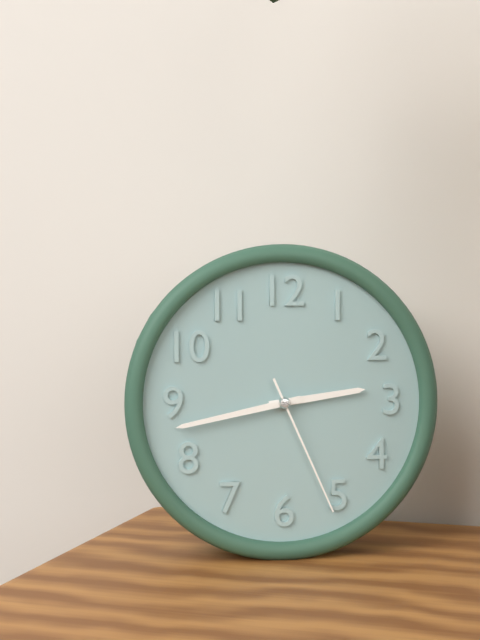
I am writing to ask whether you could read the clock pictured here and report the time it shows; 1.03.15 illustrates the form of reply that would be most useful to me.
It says 2.43.26
